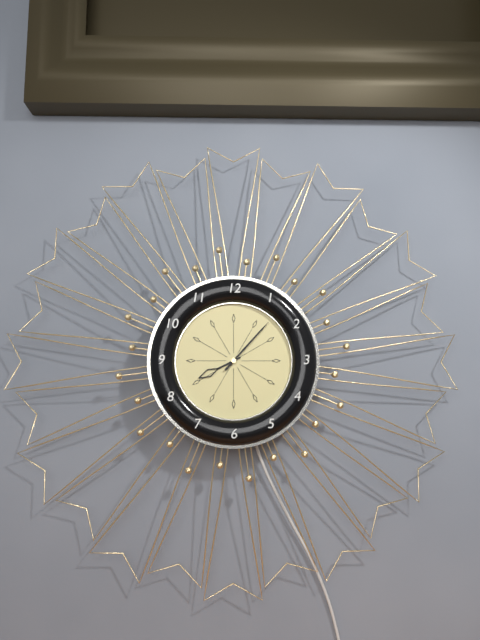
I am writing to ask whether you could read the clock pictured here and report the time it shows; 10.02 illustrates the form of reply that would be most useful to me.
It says 8.07
